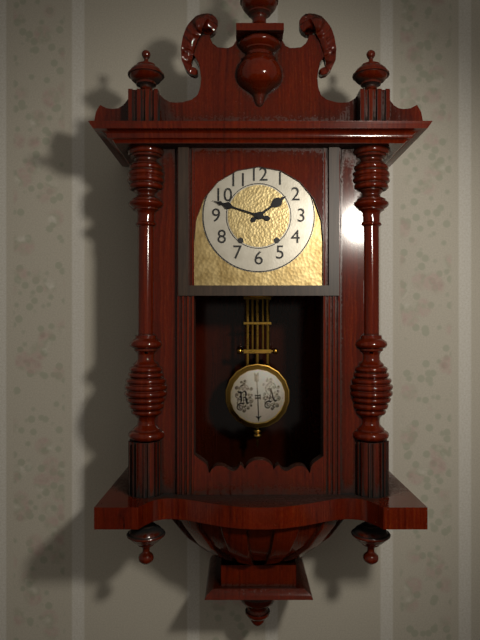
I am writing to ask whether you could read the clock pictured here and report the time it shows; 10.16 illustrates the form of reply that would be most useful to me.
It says 1.48
